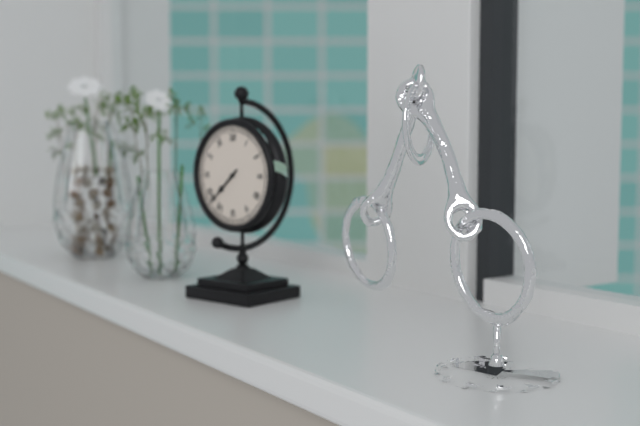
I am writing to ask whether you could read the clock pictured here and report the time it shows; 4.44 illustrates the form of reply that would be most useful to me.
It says 7.38
